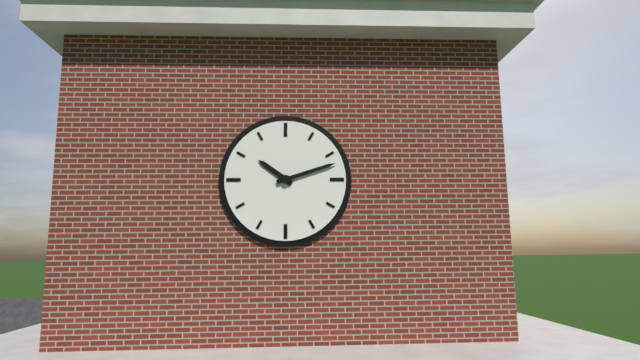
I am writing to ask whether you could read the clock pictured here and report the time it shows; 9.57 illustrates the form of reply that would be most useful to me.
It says 10.12
